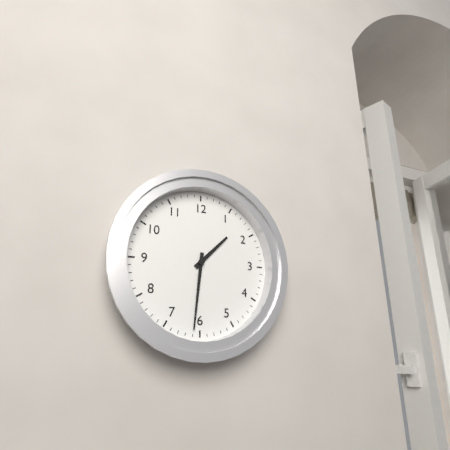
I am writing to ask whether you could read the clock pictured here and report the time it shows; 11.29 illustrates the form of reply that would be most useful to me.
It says 1.31
